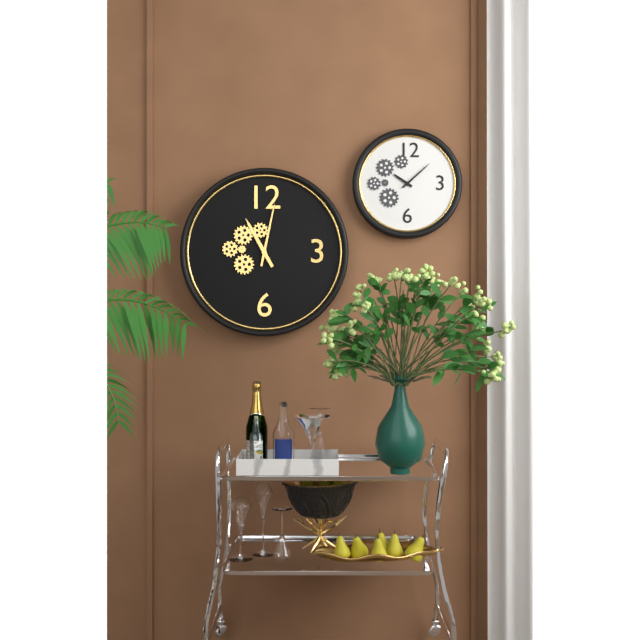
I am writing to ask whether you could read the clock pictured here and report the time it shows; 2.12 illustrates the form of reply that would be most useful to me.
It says 11.02
